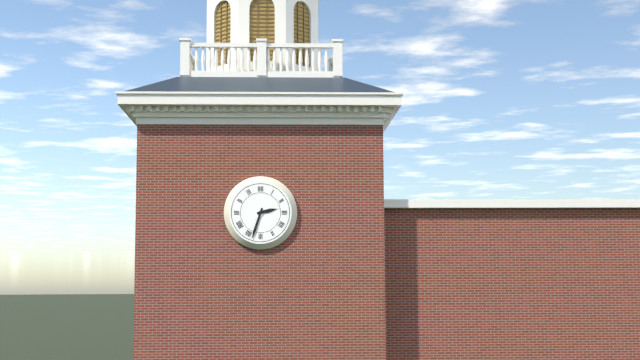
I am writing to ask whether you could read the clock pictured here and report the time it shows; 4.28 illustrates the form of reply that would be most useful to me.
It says 2.33
